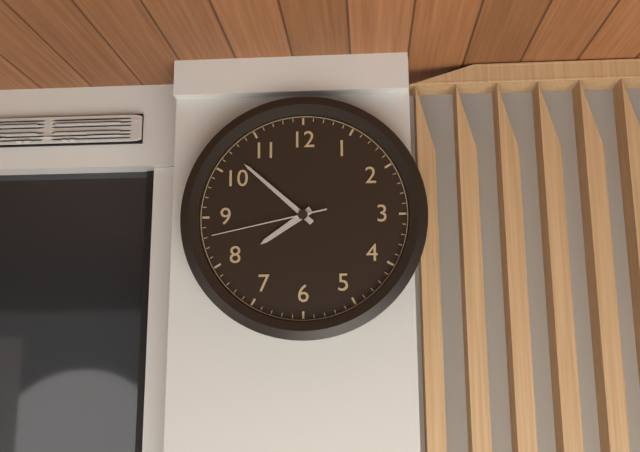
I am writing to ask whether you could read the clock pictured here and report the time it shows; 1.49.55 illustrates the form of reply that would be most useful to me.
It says 7.52.43
